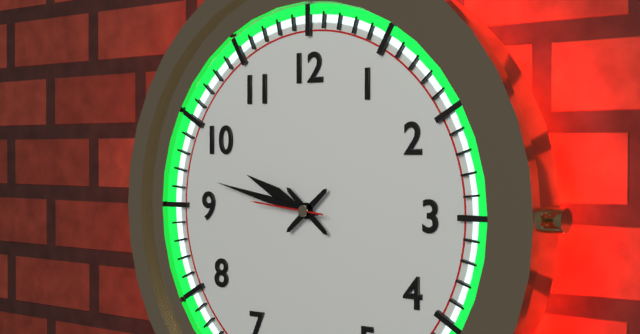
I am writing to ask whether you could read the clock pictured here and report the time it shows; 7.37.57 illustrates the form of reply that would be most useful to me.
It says 9.47.46
